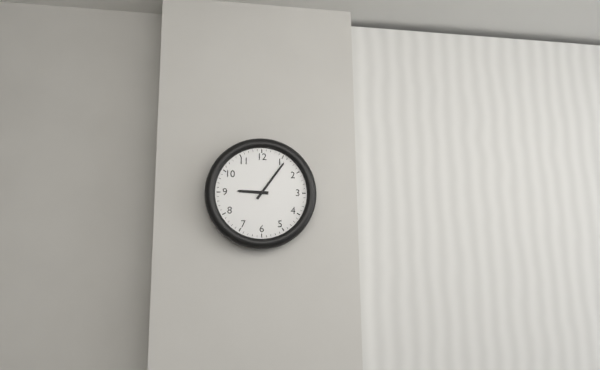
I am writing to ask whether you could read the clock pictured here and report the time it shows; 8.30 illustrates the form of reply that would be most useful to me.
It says 9.06
